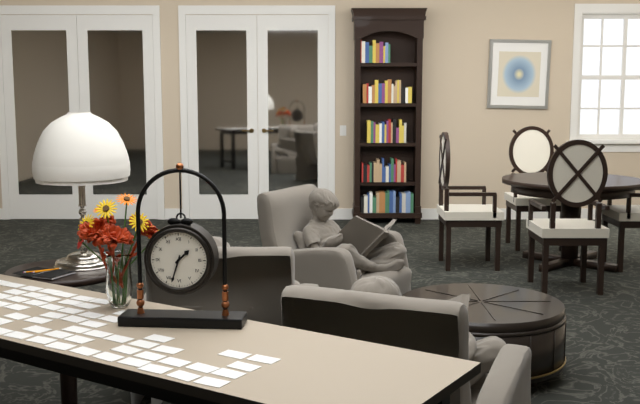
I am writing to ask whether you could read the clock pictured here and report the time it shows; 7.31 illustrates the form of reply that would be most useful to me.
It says 1.33
